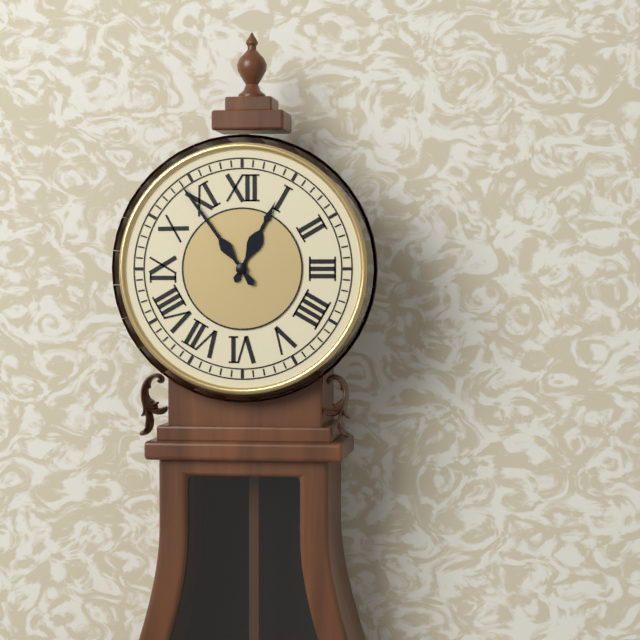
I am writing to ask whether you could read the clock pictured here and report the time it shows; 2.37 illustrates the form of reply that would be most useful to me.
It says 12.54
